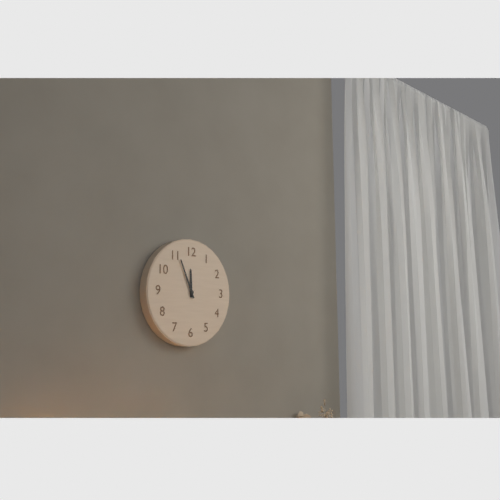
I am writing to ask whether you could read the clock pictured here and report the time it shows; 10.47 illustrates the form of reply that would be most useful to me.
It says 11.56
